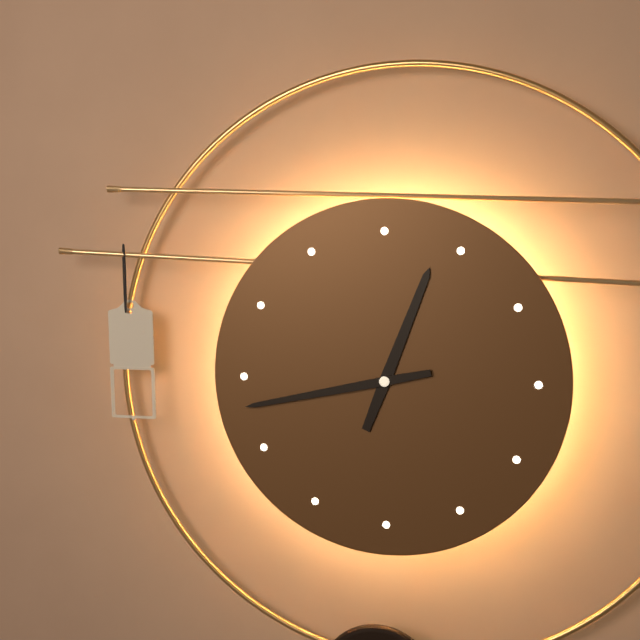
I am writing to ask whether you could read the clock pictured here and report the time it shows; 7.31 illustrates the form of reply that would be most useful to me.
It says 12.43
